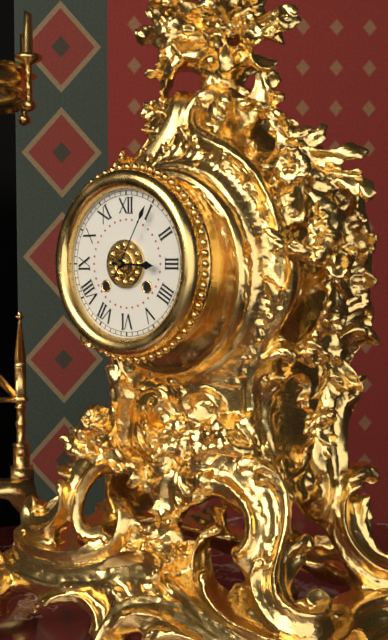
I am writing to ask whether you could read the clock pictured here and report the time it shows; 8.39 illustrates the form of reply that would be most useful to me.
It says 3.05
